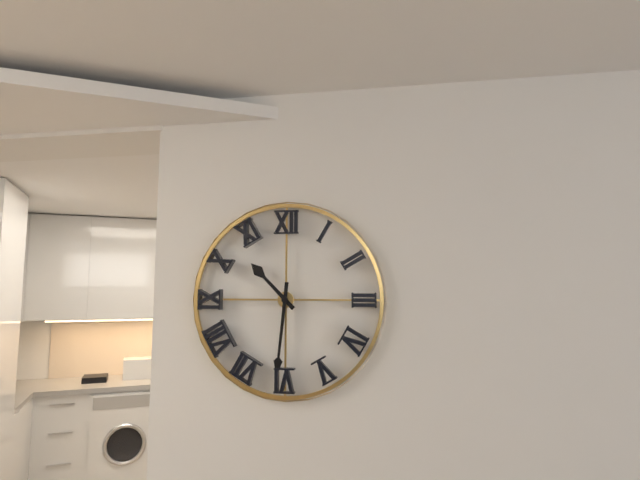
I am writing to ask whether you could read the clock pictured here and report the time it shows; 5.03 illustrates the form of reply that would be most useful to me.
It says 10.31
